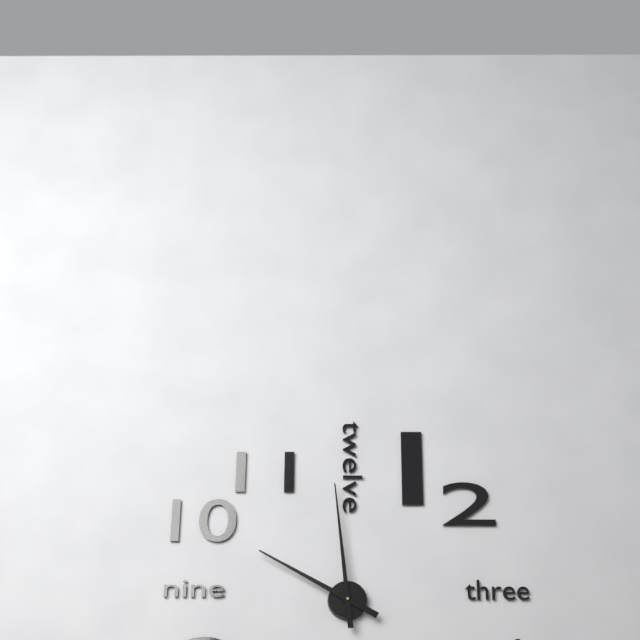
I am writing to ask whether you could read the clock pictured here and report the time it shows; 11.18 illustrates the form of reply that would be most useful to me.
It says 9.59
